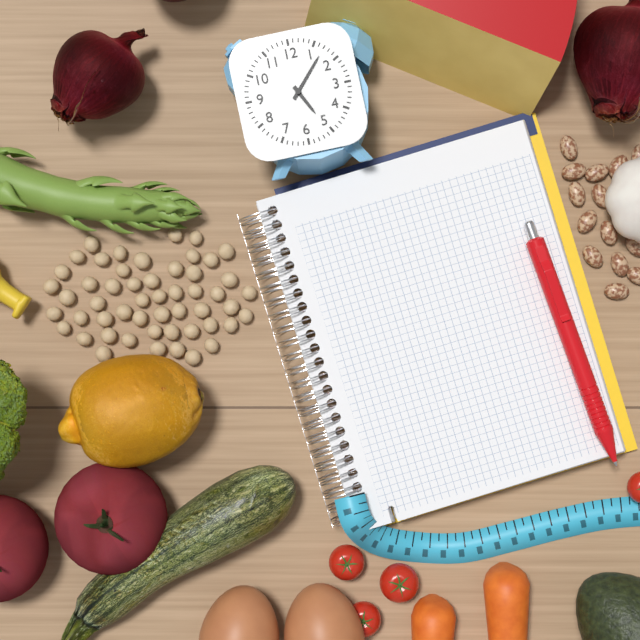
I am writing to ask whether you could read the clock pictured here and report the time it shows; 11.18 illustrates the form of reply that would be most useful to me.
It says 5.07
